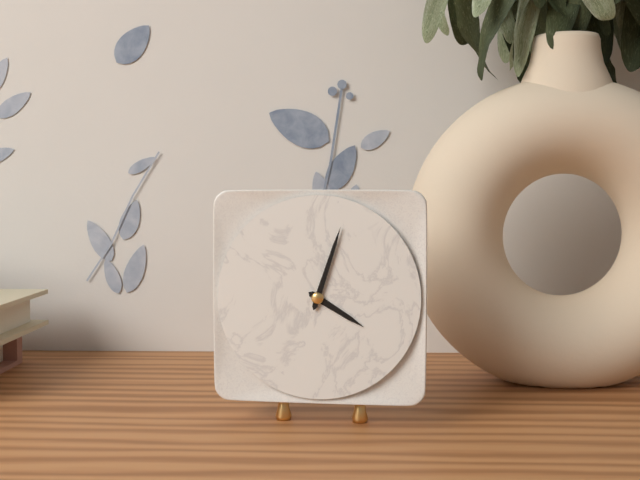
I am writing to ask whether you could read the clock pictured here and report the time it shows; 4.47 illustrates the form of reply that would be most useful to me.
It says 4.03
